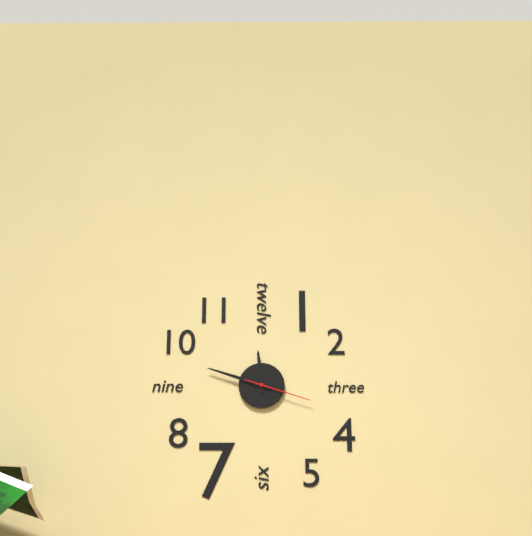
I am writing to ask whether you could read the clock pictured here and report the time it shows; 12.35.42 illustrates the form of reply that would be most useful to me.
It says 11.48.18
